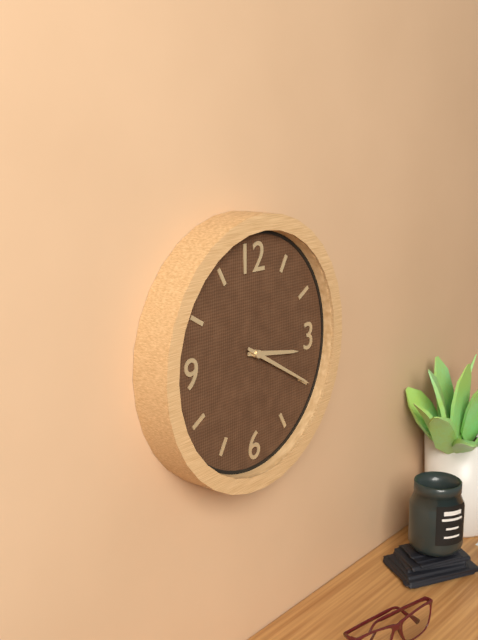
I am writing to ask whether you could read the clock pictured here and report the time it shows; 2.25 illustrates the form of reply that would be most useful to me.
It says 3.20
